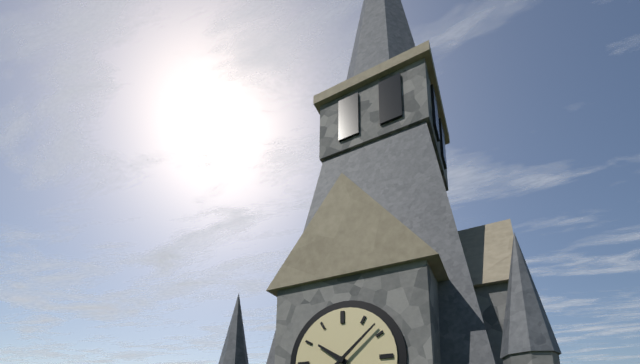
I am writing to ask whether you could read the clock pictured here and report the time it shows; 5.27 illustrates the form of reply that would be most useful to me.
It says 10.08
